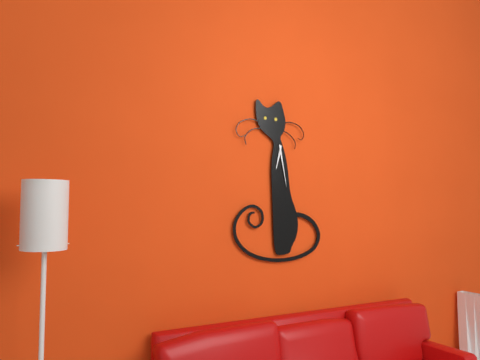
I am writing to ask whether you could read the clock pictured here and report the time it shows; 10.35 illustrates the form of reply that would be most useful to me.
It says 6.28
